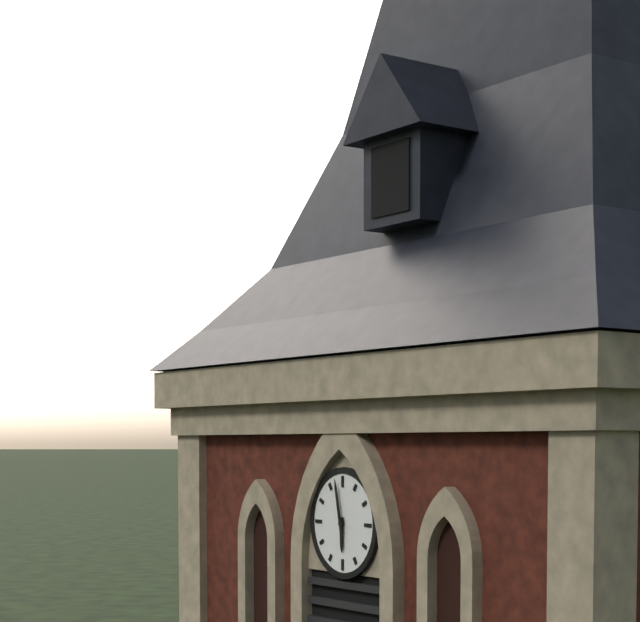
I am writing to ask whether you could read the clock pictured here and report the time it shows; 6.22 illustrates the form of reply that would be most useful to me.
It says 5.58
